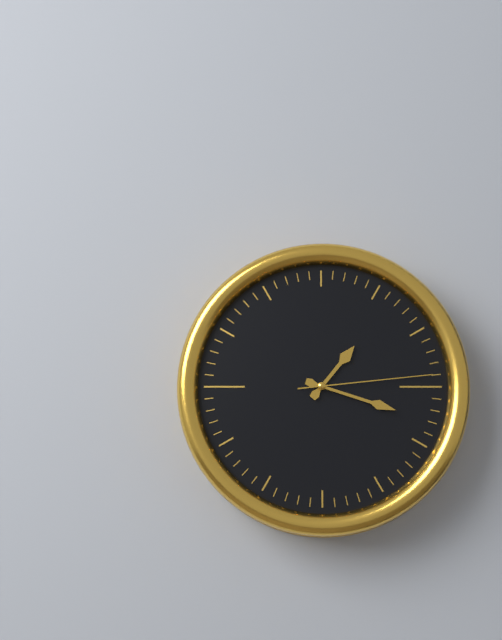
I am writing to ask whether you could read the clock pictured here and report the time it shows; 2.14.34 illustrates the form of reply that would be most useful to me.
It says 1.18.14
